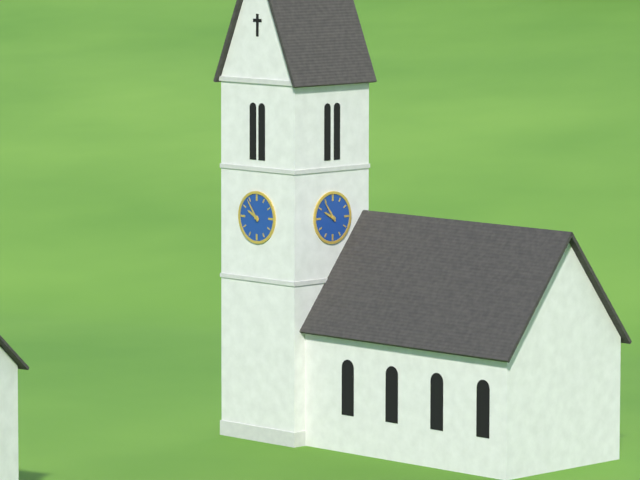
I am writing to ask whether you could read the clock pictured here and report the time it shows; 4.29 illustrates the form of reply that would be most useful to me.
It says 9.54
